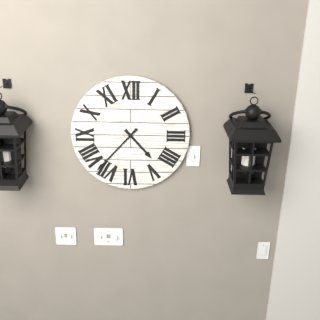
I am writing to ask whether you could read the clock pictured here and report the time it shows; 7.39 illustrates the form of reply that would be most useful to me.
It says 4.37
